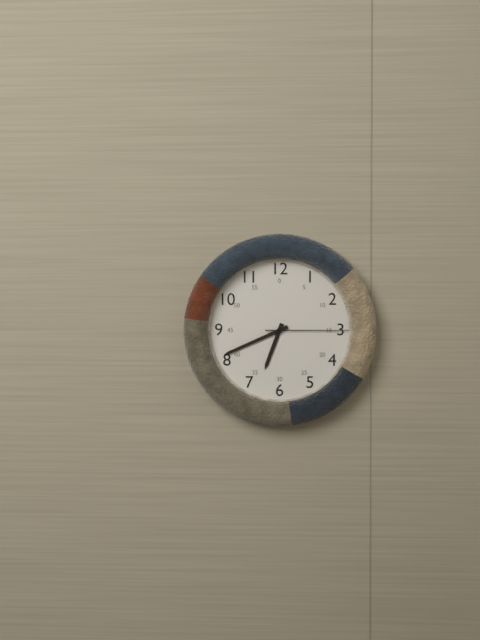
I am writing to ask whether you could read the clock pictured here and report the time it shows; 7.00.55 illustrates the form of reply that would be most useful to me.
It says 6.41.15
